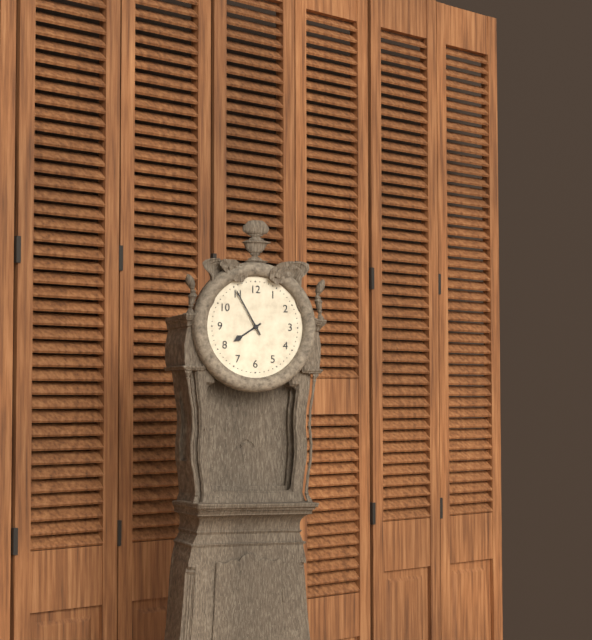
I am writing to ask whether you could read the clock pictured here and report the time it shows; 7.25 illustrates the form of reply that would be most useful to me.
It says 7.55
